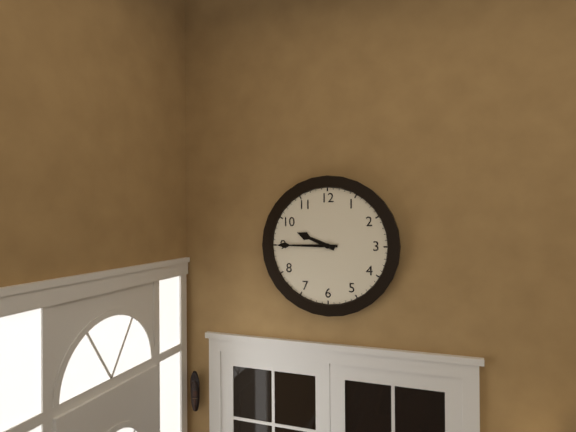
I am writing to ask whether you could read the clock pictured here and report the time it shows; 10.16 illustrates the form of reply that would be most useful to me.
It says 9.45
